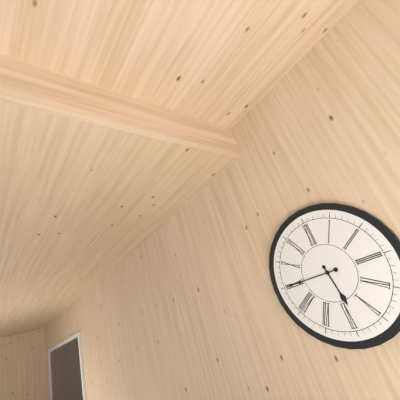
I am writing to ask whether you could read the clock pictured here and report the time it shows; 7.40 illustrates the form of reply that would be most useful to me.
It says 5.45
